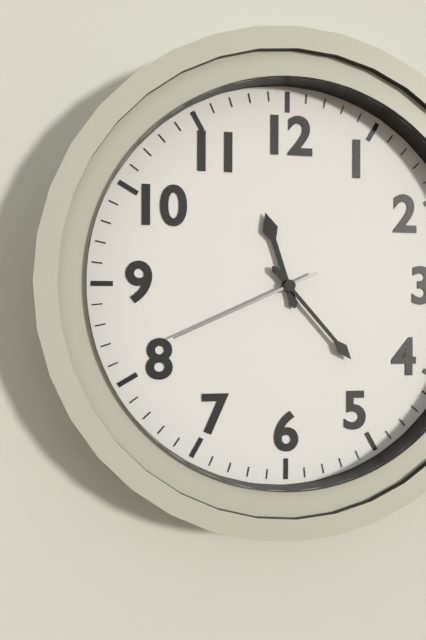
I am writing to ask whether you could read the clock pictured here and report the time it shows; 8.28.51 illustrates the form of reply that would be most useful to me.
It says 11.23.41
